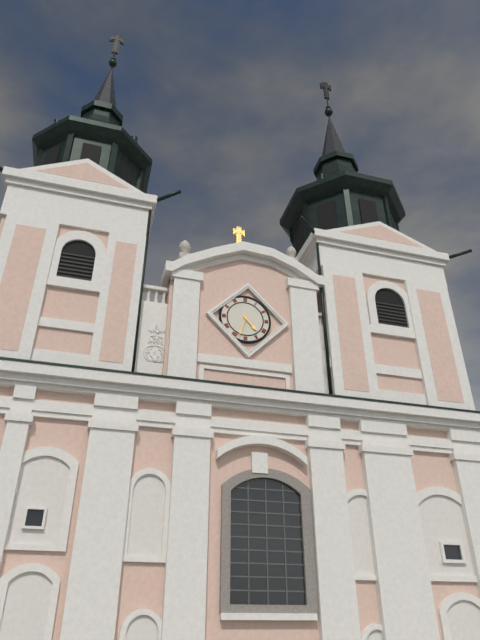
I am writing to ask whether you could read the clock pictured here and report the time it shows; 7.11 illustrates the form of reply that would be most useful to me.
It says 4.33
